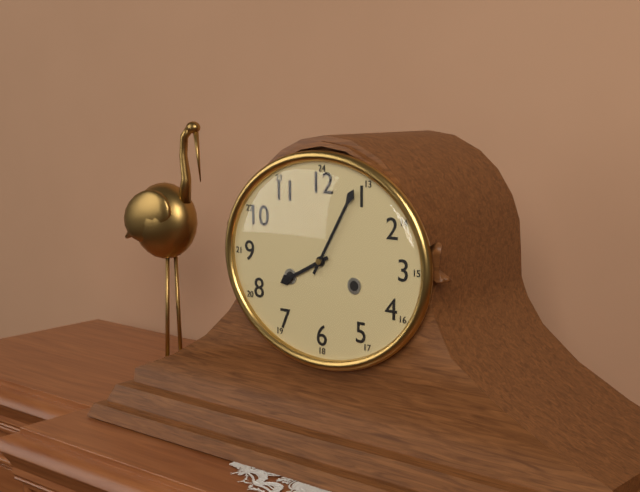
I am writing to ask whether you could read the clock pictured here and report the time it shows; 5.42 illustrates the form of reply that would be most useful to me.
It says 8.05
